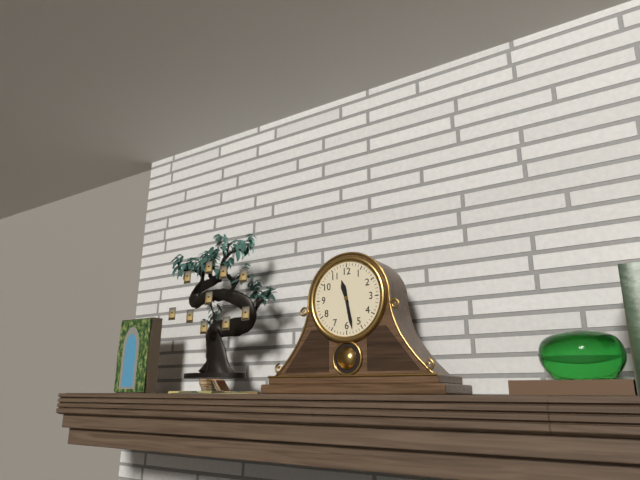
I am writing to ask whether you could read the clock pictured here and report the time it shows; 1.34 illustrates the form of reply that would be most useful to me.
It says 11.28
